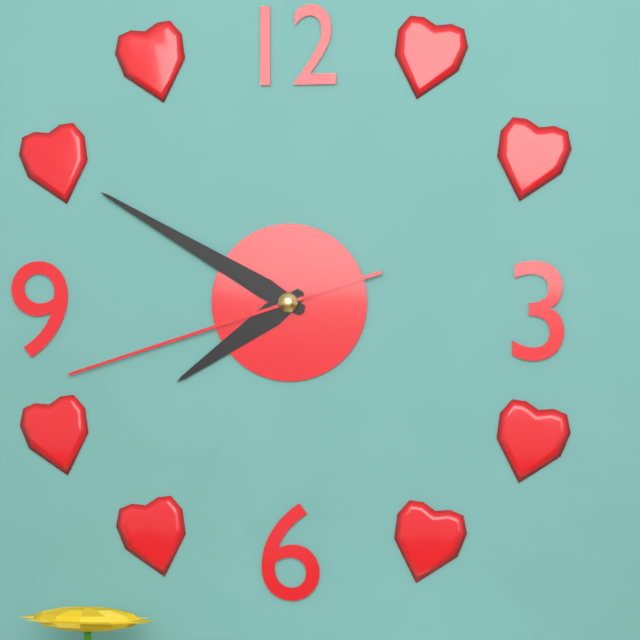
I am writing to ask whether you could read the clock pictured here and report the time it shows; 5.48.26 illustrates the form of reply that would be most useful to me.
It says 7.50.42
